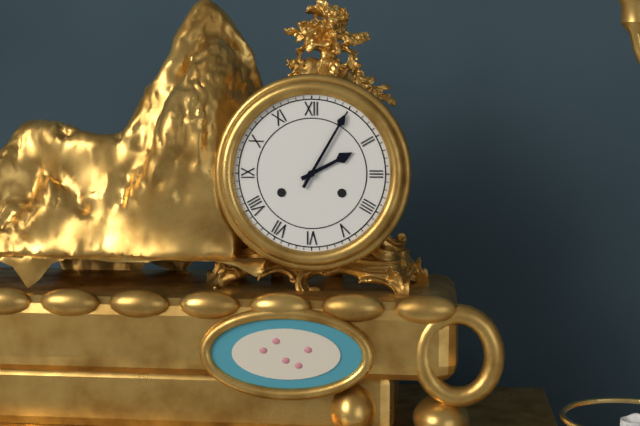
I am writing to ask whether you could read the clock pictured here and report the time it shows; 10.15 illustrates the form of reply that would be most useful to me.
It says 2.05
